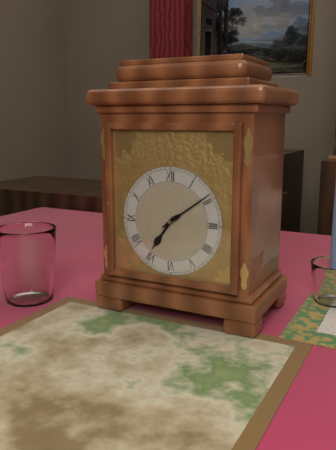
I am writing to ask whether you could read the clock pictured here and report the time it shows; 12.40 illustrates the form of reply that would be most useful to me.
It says 7.09
